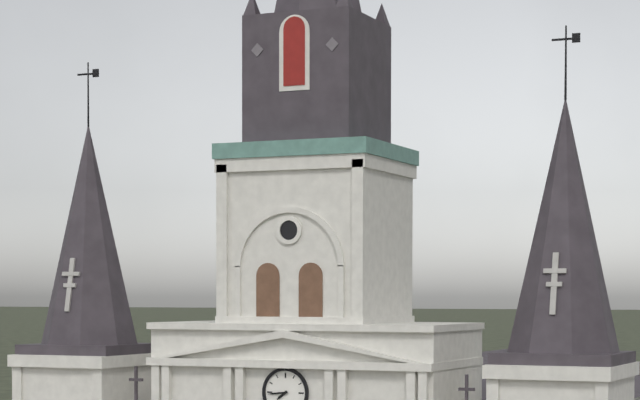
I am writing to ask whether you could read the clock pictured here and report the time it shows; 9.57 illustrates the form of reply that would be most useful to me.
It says 7.44
